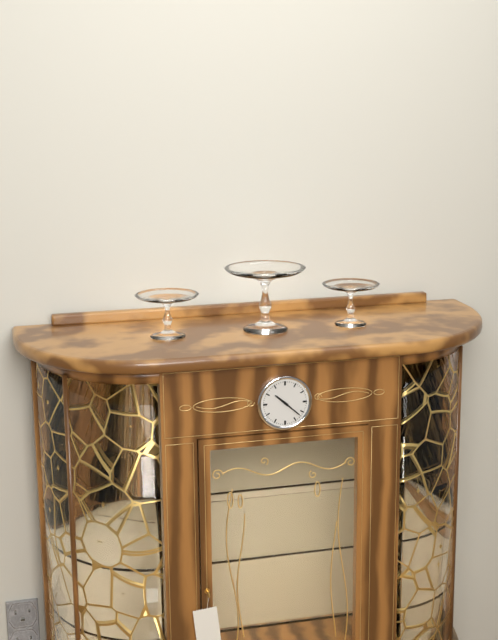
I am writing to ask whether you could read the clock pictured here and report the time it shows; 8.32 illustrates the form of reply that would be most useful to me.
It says 10.22
